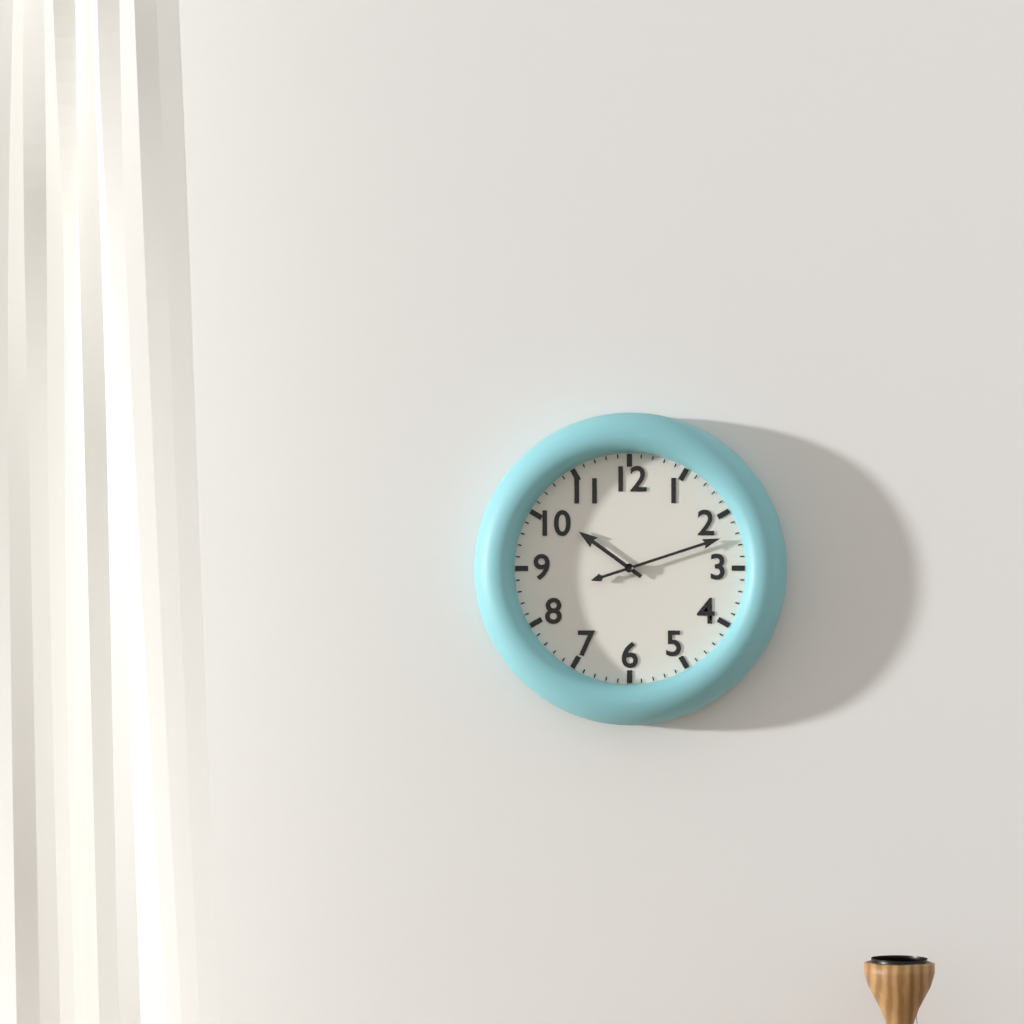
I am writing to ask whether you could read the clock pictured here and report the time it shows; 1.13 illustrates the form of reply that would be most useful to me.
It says 10.12
